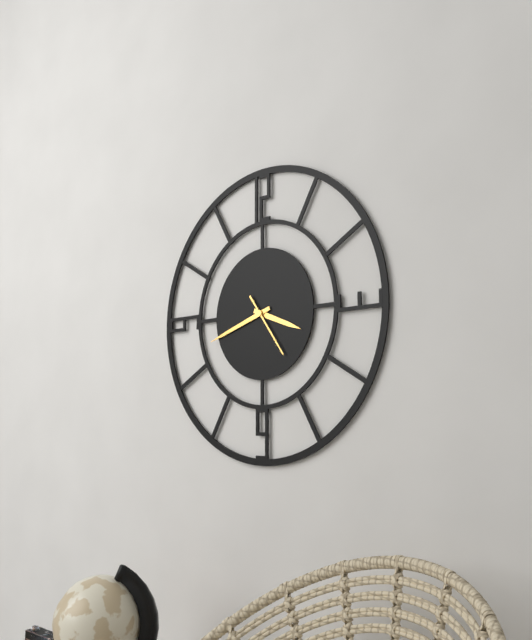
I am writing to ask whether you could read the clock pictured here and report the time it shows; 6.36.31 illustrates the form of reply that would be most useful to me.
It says 3.42.24
